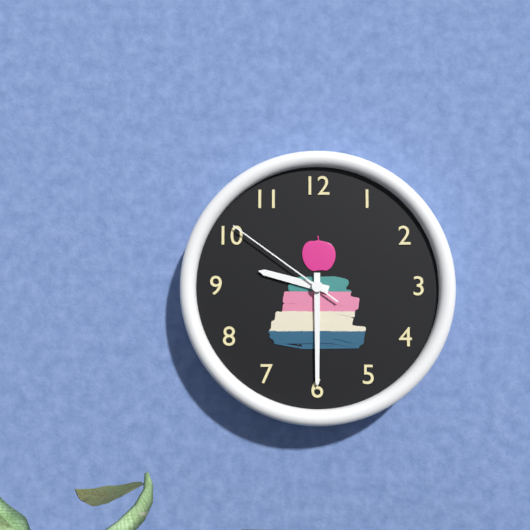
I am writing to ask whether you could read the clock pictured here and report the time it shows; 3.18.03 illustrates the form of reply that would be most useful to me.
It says 9.30.51
